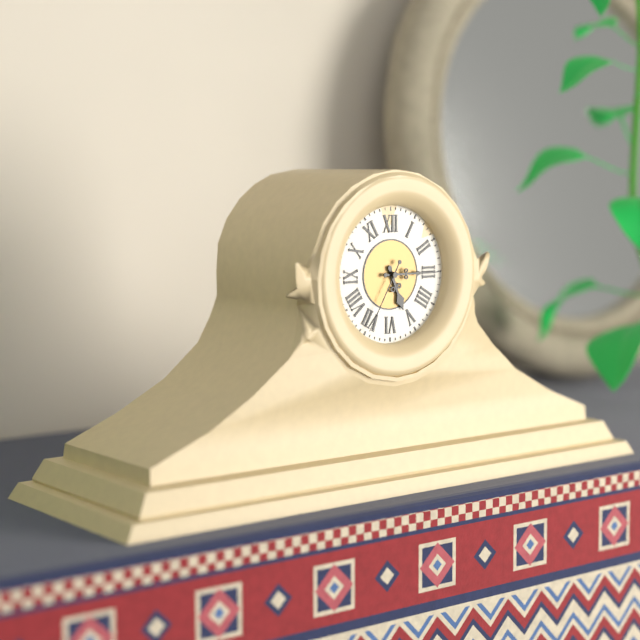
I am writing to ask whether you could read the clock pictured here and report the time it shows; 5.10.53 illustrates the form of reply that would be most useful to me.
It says 5.15.35
